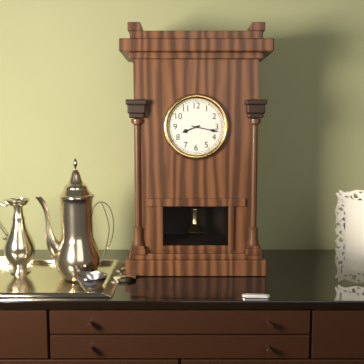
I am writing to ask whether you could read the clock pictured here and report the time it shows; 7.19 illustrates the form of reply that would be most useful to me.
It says 8.17
